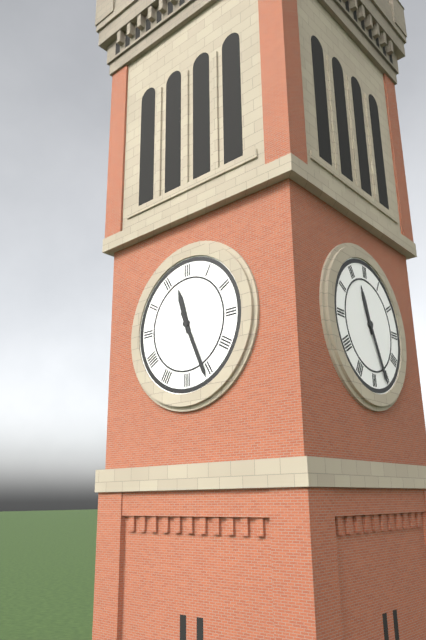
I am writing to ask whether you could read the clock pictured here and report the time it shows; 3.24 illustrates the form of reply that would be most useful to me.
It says 11.26
